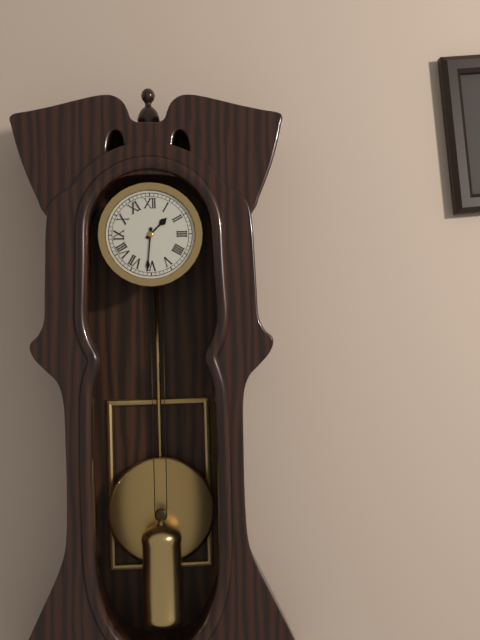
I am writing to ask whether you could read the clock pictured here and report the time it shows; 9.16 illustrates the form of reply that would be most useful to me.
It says 1.31
